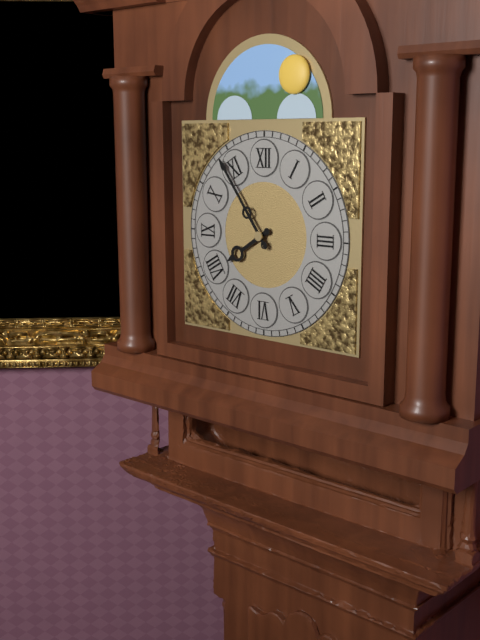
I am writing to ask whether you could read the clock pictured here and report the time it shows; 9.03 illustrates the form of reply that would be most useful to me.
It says 7.54
